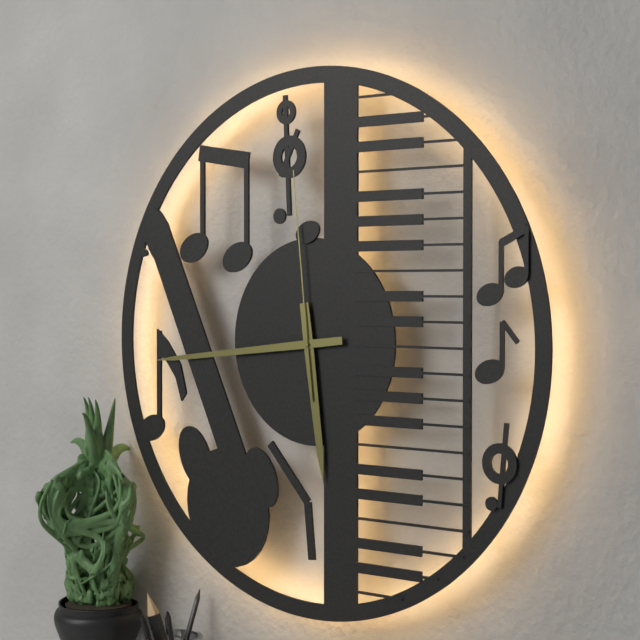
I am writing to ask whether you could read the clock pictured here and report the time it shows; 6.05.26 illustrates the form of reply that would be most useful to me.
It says 5.44.59
